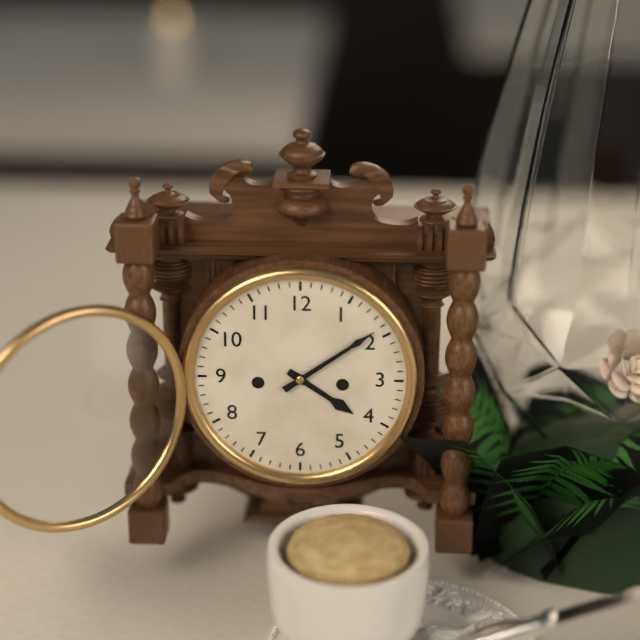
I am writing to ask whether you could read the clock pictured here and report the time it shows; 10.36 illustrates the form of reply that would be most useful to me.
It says 4.09
